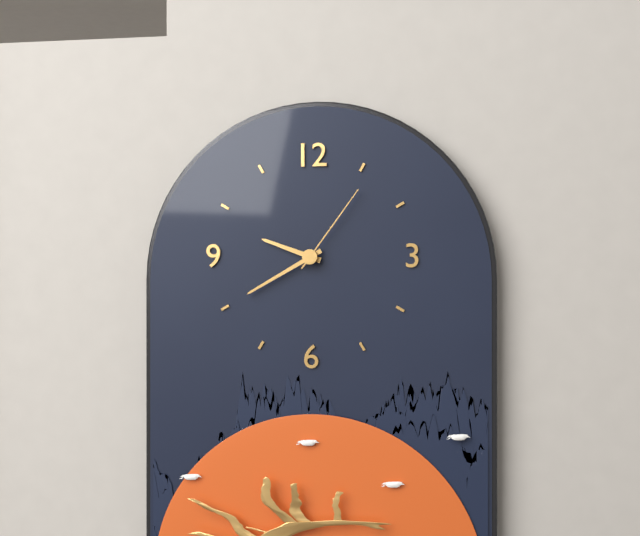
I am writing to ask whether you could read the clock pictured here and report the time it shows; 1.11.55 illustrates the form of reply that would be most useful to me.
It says 9.40.06
